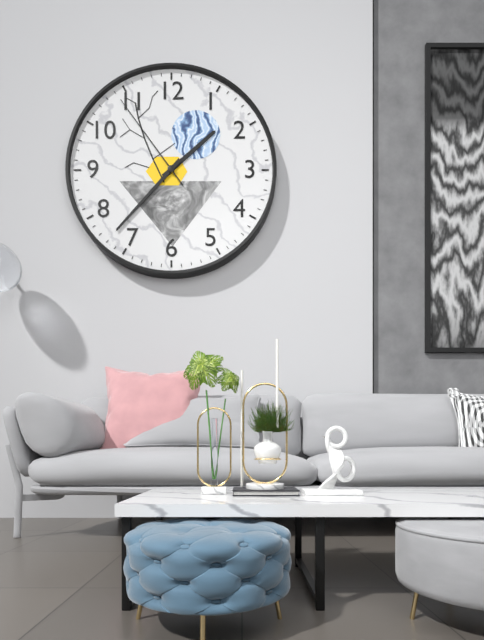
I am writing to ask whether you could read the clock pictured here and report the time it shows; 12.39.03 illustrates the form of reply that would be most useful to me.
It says 1.37.54
